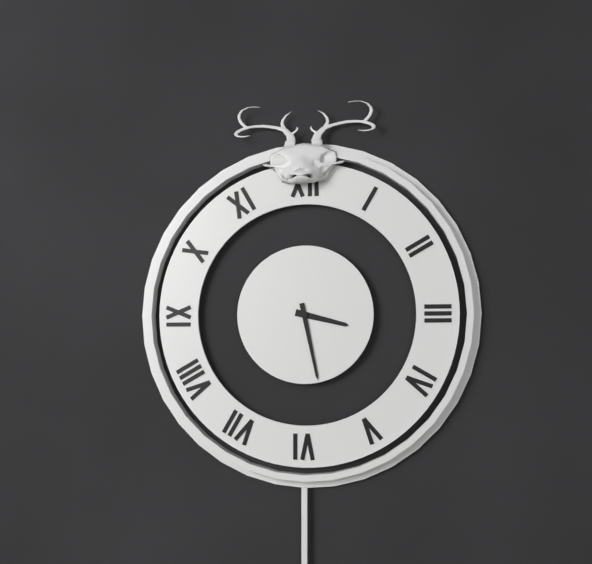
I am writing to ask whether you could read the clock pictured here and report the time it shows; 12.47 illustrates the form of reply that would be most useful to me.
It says 3.28
